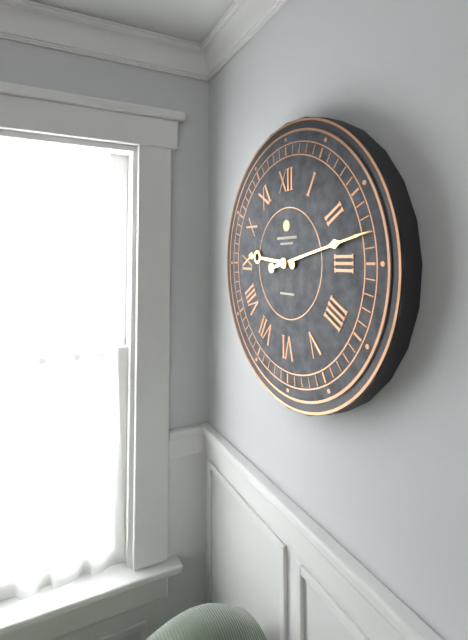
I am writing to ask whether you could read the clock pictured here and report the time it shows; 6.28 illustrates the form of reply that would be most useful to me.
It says 9.13
